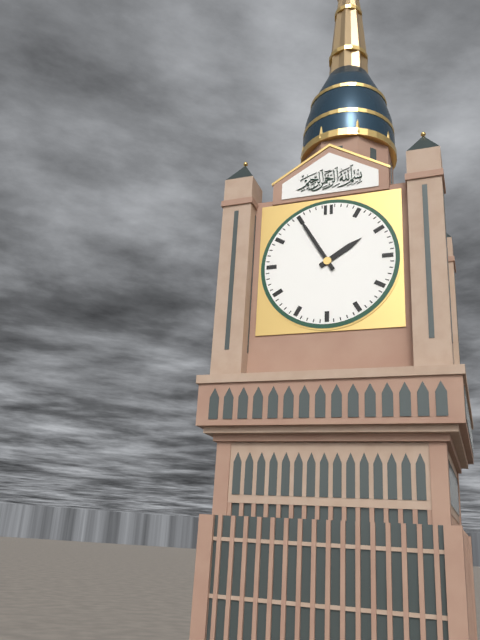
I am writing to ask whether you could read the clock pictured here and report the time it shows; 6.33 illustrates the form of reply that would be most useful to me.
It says 1.55
